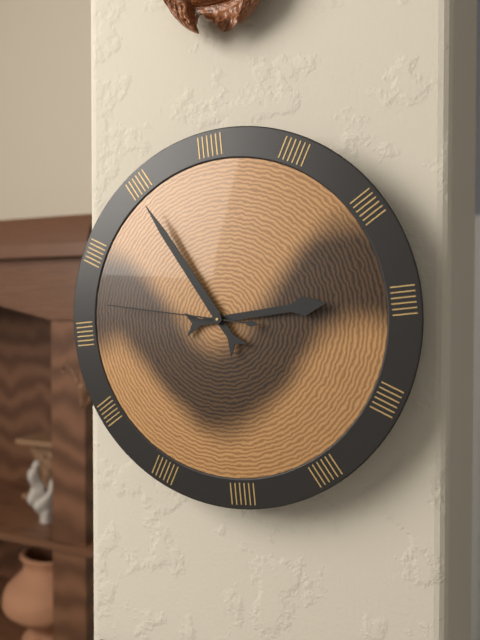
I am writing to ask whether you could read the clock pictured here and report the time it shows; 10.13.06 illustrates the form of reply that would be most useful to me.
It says 2.55.47
